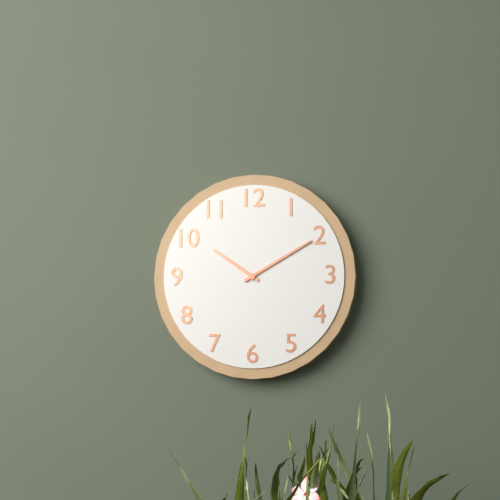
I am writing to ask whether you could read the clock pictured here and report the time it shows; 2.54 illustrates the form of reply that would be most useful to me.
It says 10.10
